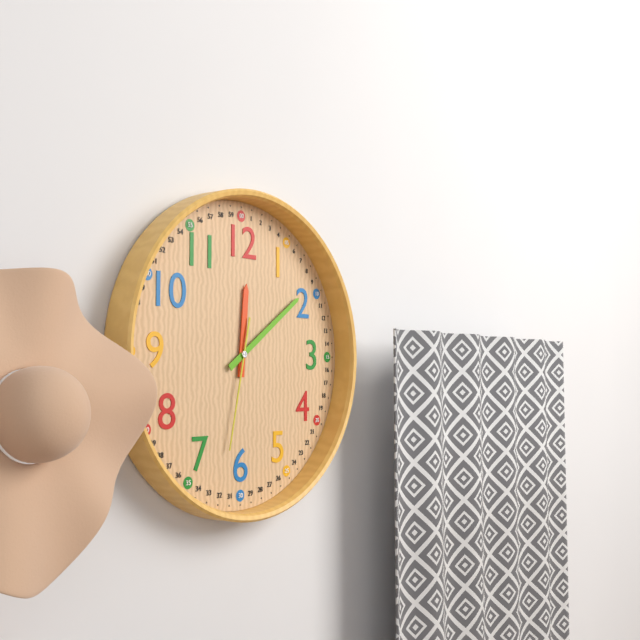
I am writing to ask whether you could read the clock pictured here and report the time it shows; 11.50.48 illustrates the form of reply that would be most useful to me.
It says 12.09.32
